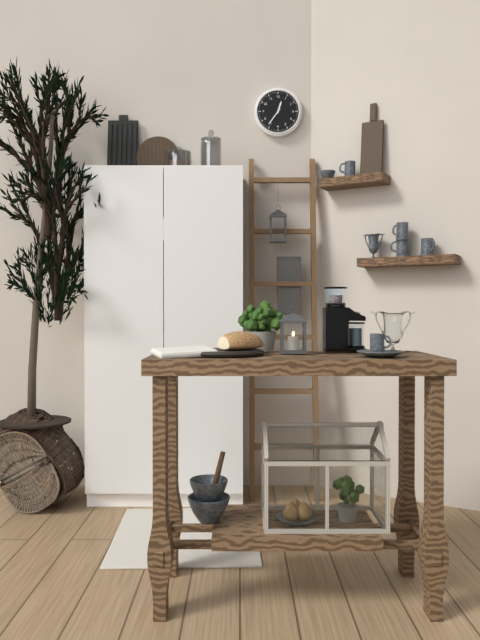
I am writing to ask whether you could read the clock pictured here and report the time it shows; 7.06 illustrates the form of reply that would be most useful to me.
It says 12.36
